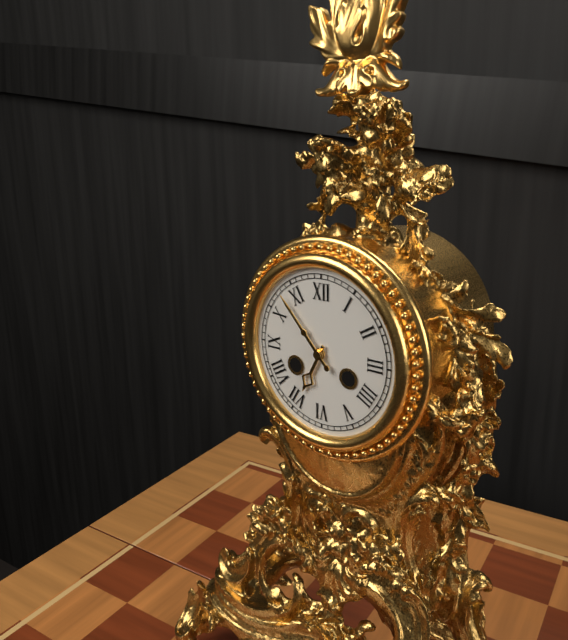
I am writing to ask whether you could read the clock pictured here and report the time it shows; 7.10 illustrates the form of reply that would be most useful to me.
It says 6.53
